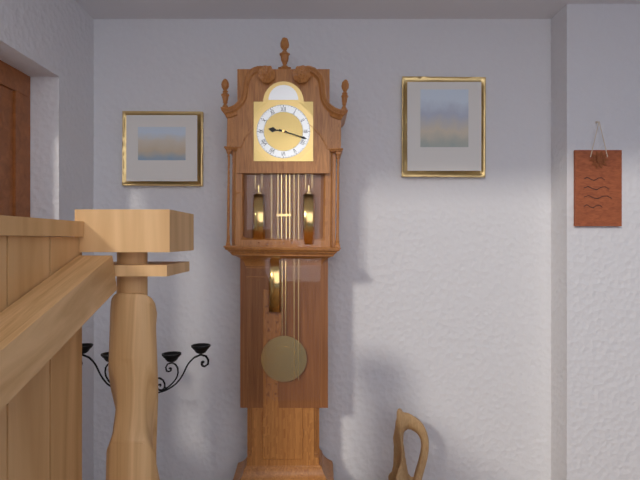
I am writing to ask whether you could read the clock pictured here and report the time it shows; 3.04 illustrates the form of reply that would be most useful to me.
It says 9.18
